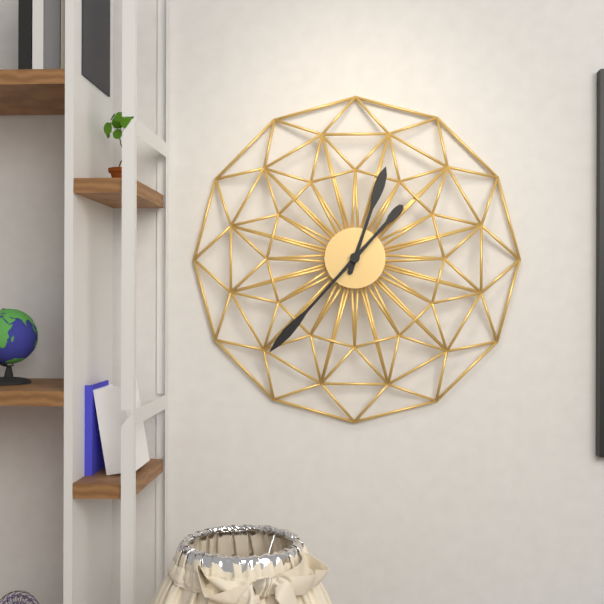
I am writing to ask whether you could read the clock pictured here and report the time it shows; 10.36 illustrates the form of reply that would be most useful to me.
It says 12.37
